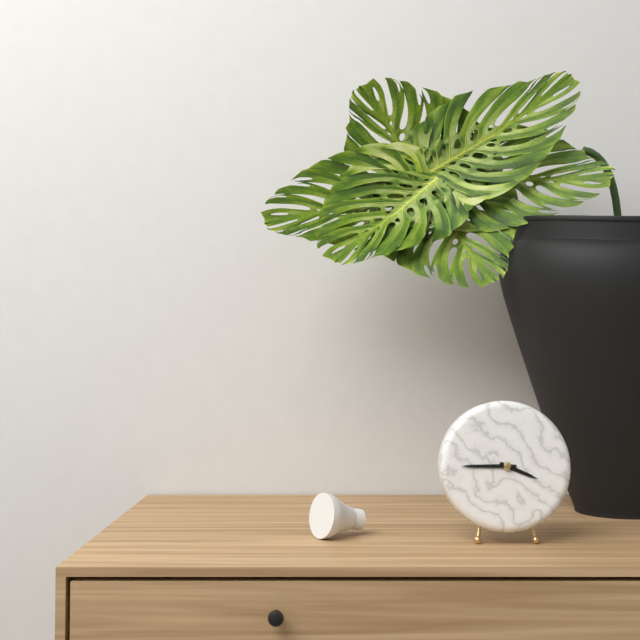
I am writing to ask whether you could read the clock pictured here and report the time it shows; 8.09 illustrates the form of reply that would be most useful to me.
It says 3.45
